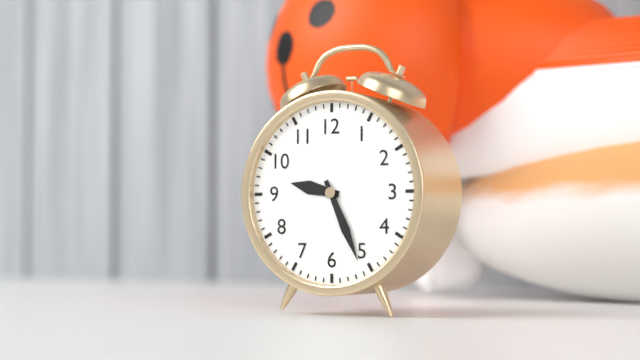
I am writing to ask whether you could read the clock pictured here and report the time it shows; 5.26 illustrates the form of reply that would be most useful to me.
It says 9.26
